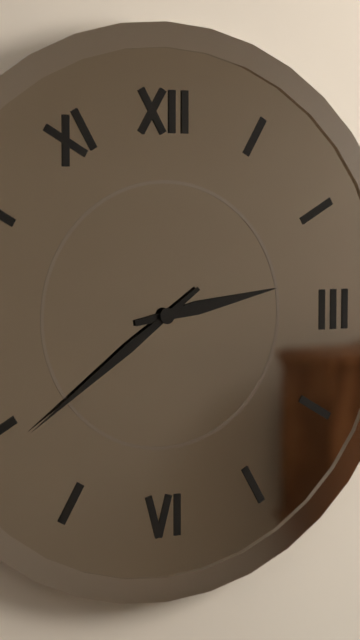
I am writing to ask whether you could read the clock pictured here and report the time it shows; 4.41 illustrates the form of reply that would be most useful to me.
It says 2.39
